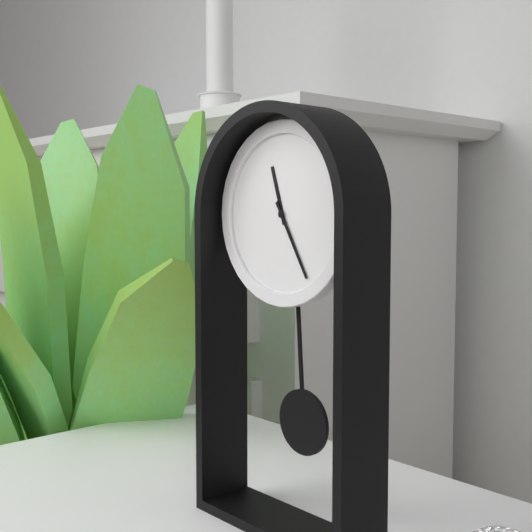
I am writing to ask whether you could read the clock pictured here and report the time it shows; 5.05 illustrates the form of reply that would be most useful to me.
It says 11.25
